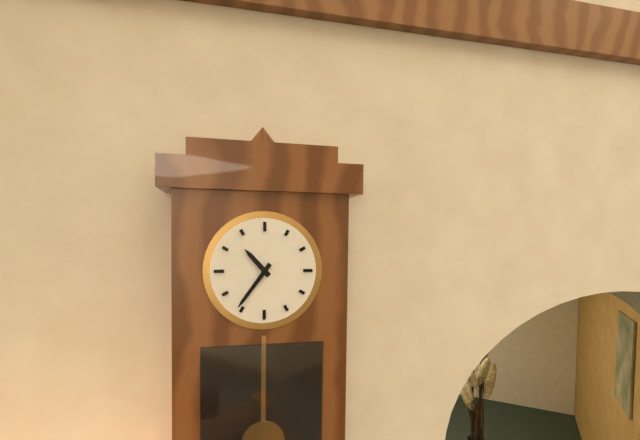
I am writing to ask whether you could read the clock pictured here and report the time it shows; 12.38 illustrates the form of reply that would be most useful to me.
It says 10.36
